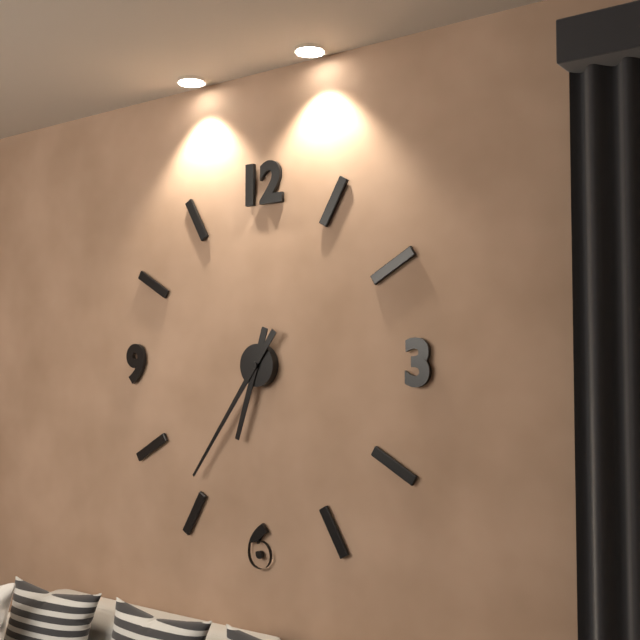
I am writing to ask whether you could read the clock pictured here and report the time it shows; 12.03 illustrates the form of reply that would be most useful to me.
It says 6.36
